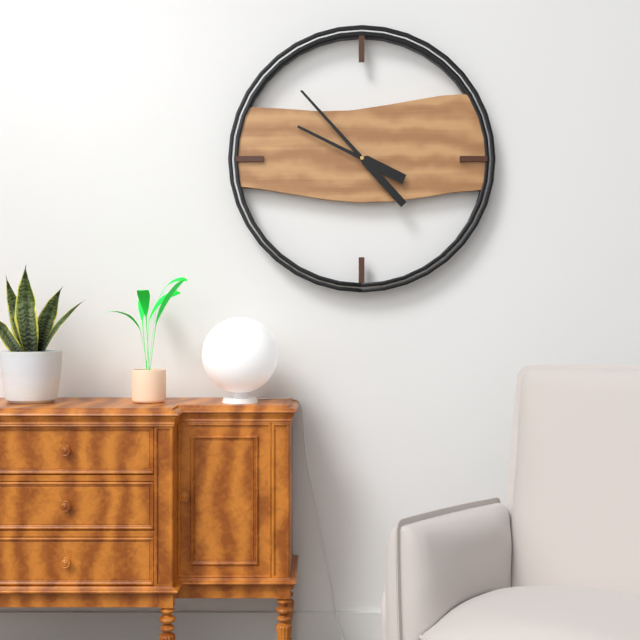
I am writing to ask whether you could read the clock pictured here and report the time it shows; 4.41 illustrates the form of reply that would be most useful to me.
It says 9.53
